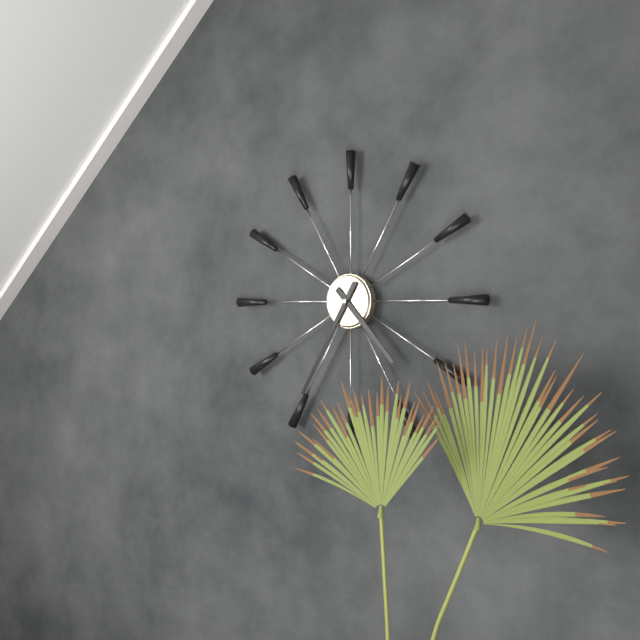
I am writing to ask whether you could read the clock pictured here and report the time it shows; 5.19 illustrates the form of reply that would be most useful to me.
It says 4.35
